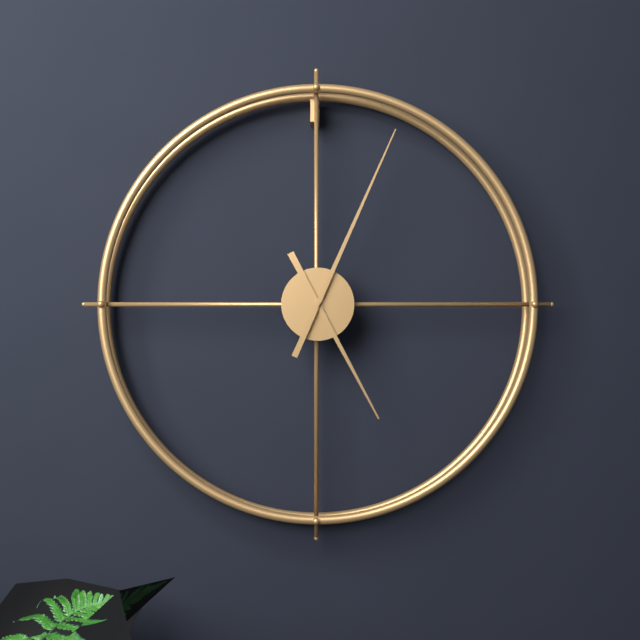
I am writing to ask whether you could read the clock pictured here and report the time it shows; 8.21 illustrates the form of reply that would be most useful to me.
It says 5.04
